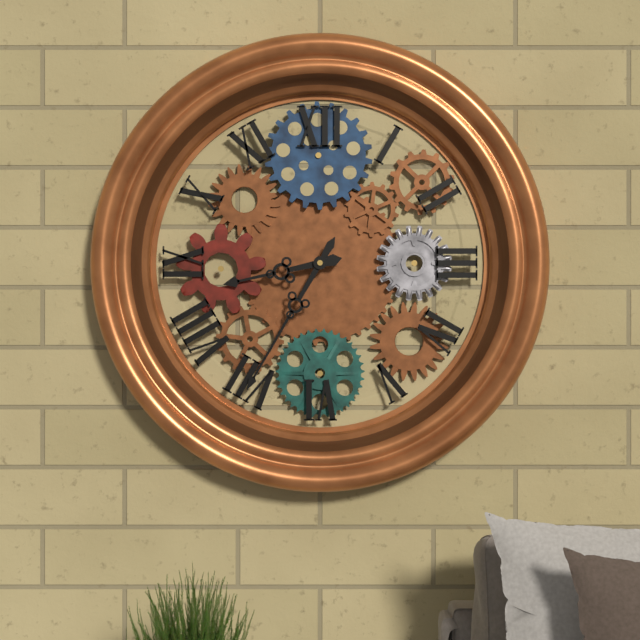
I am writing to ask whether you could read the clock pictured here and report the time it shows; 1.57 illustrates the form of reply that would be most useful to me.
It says 8.35
